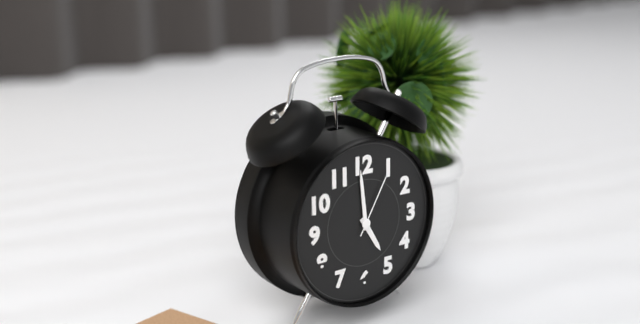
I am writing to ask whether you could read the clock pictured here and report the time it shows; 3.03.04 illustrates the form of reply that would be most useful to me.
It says 4.59.05
